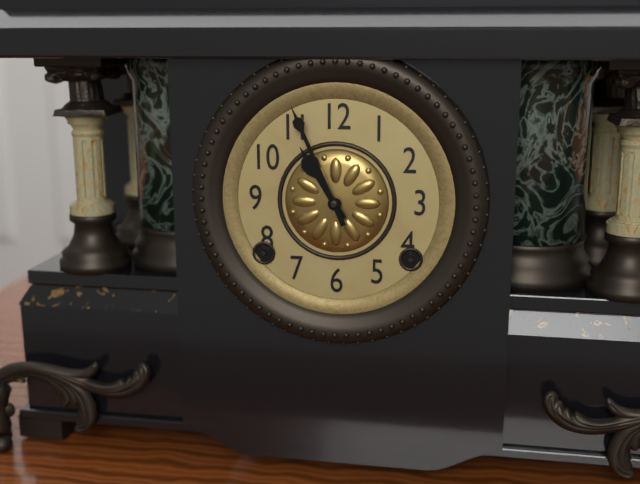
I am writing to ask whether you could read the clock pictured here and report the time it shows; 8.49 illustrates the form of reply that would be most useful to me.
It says 10.56
